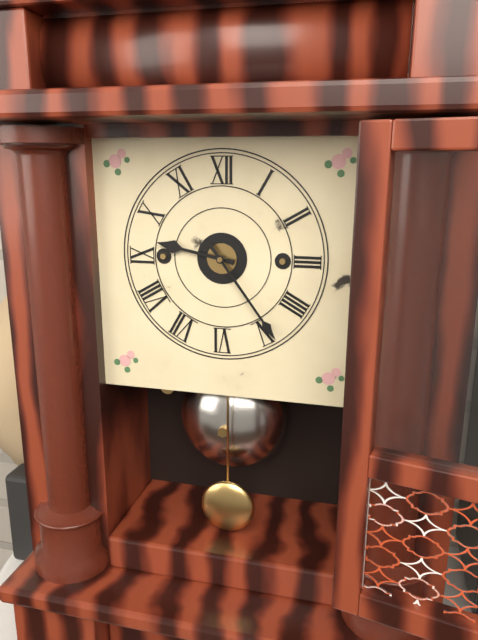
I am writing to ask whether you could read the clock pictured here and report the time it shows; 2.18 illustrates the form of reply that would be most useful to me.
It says 9.24
